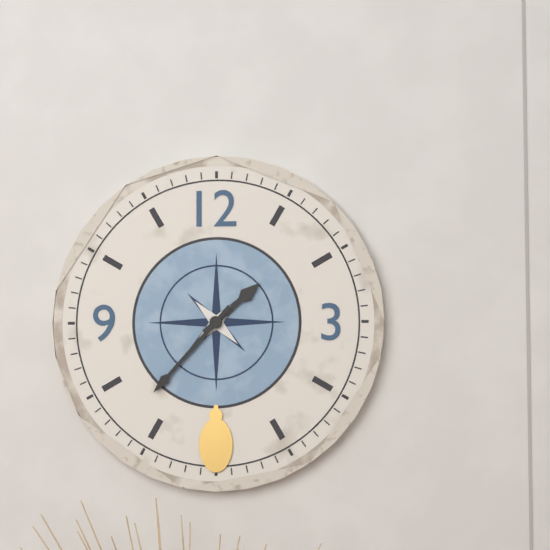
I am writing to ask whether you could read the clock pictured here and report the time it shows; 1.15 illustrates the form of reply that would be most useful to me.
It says 1.37
